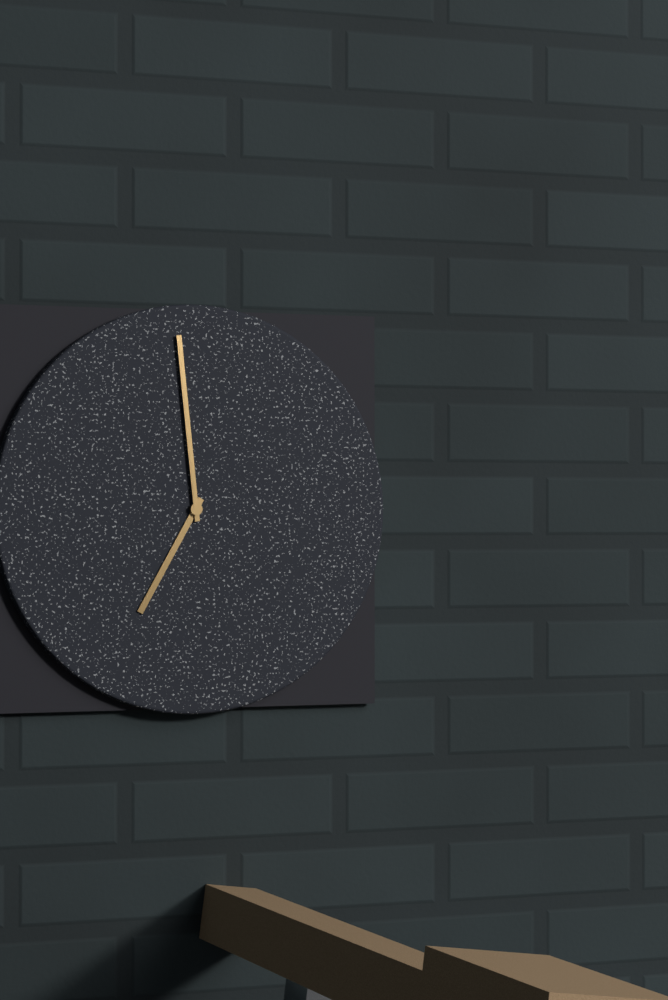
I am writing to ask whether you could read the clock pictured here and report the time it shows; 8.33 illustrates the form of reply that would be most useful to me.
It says 6.59
